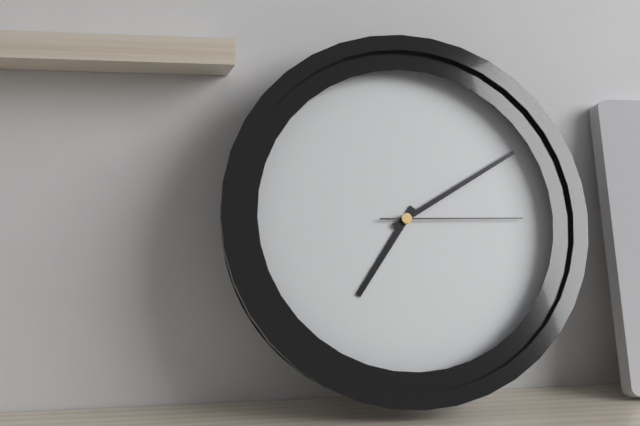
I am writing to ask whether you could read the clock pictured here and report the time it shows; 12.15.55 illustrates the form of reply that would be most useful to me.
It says 7.10.15
